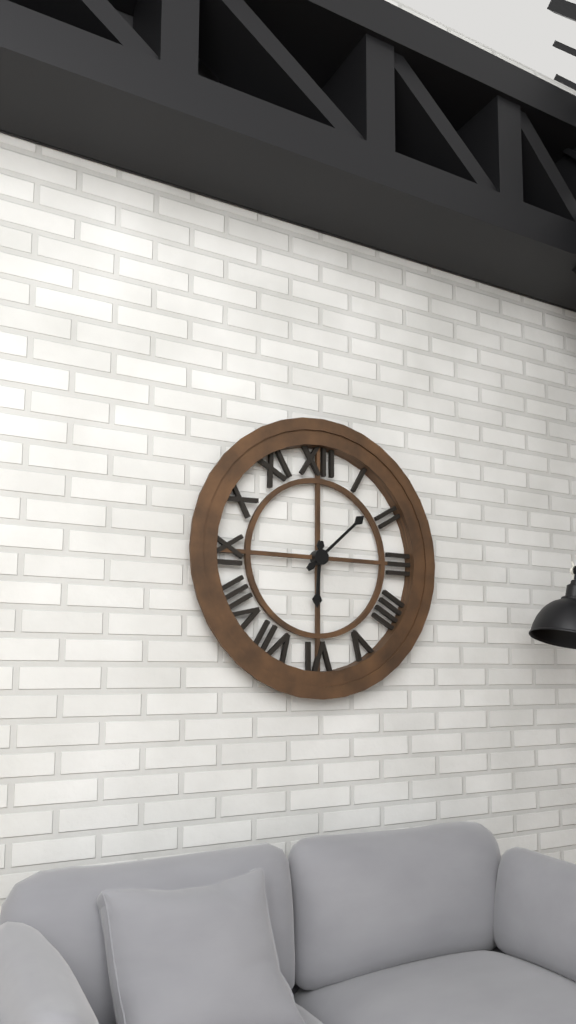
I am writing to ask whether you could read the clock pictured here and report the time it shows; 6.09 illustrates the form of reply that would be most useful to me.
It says 6.08
